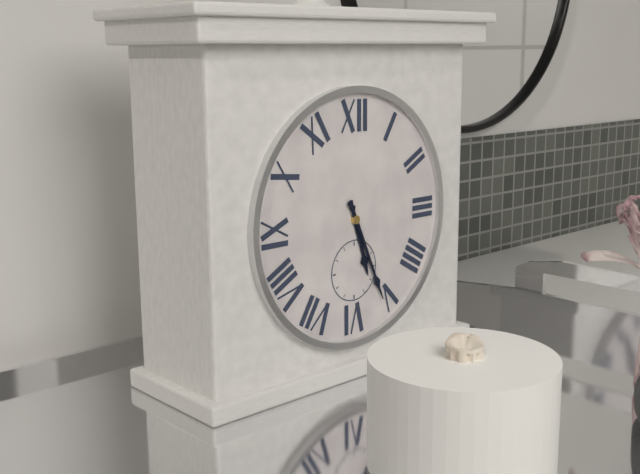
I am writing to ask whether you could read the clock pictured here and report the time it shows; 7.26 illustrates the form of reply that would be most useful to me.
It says 5.26
